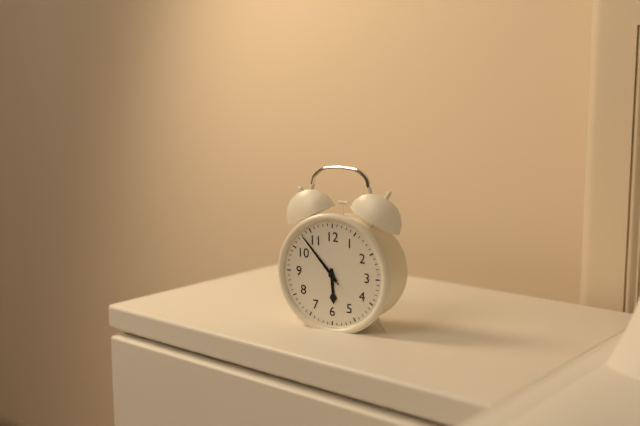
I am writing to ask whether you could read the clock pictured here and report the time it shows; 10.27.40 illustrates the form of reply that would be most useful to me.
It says 5.53.53
